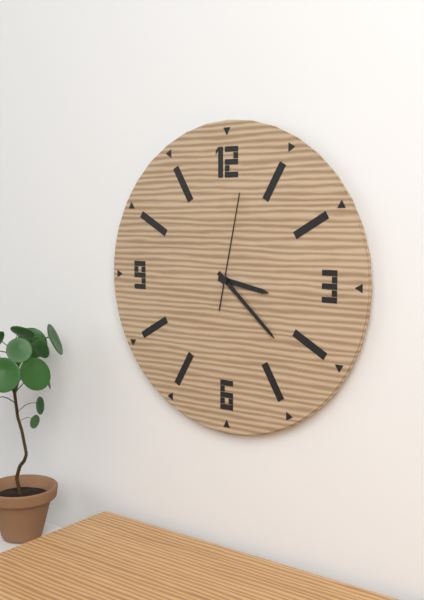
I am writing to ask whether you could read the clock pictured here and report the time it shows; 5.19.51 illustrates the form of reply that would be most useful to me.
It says 3.22.02
